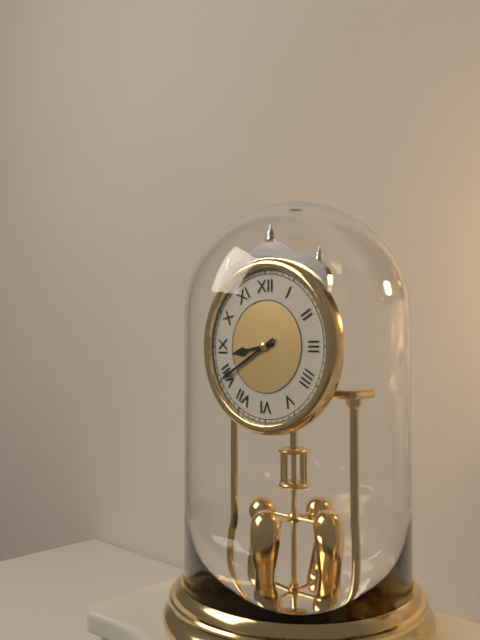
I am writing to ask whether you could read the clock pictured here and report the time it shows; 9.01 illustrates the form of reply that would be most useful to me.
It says 8.40
